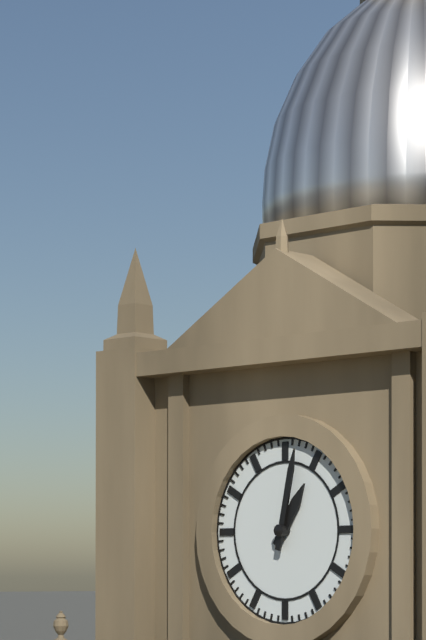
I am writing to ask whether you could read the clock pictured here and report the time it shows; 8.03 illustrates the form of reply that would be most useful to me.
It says 1.02
